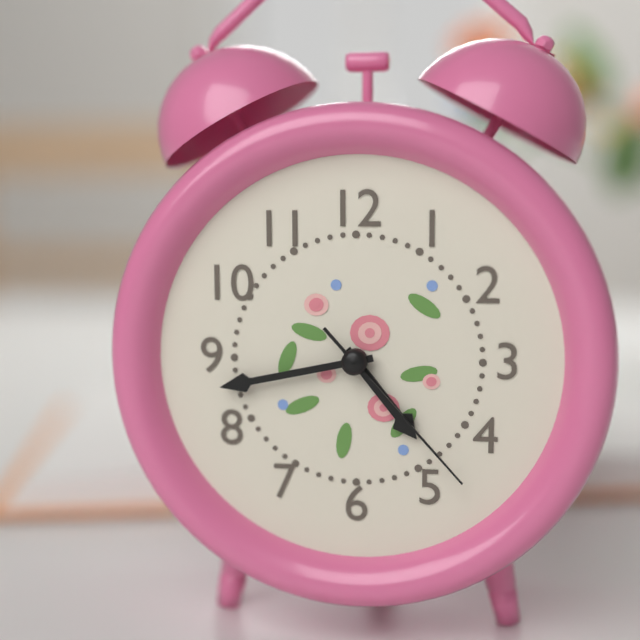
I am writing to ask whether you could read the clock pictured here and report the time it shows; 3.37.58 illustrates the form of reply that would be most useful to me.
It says 4.43.23
